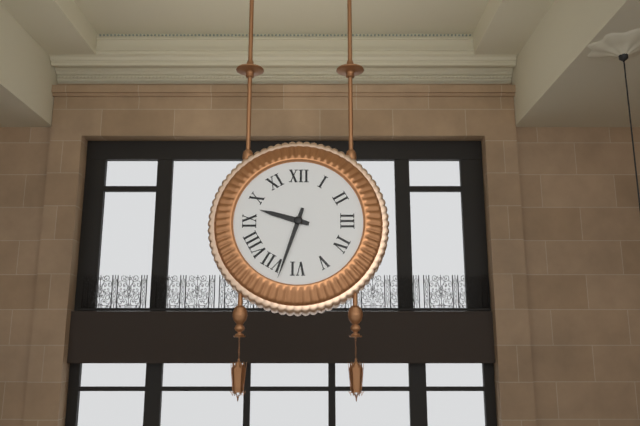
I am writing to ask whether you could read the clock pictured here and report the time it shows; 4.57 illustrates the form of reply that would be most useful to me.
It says 9.33
